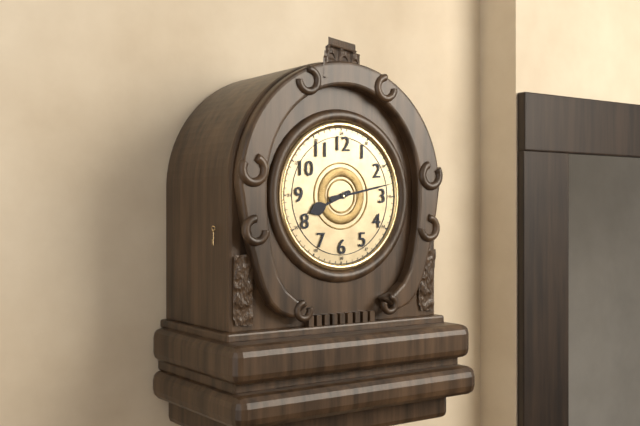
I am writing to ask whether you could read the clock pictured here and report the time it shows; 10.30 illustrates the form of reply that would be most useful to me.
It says 8.13
